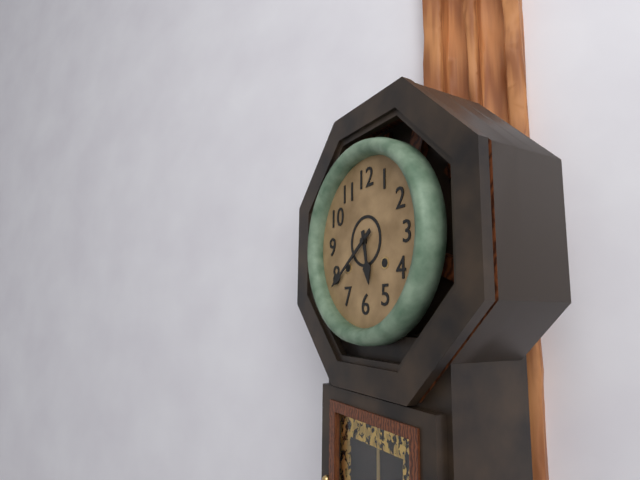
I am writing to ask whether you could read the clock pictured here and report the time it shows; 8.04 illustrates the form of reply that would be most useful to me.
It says 5.39
